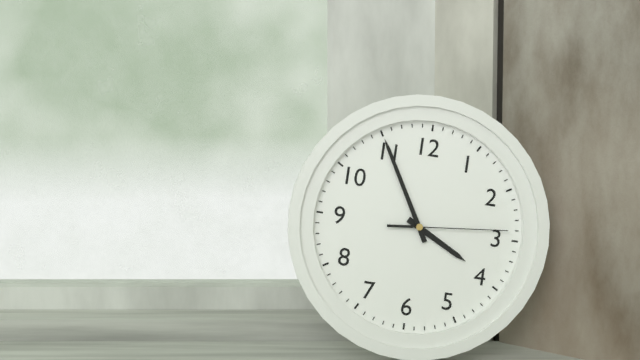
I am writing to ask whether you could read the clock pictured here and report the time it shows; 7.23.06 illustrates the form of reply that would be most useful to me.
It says 3.55.14
